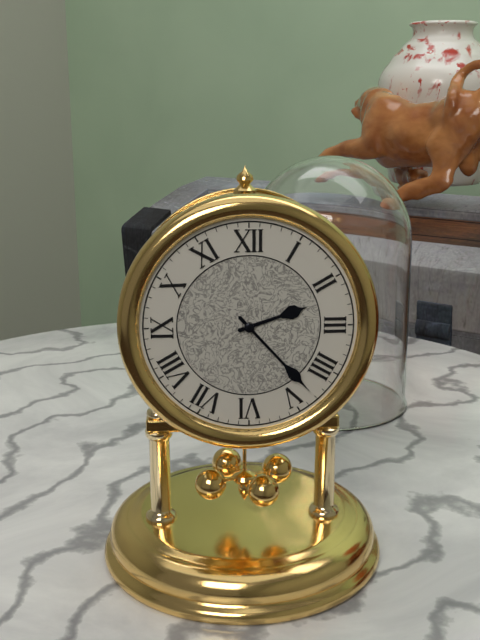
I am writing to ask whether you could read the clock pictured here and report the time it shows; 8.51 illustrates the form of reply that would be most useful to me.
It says 2.23
